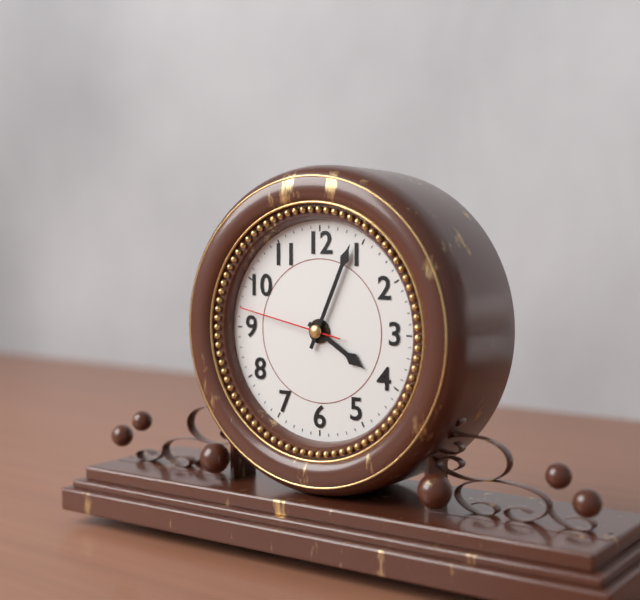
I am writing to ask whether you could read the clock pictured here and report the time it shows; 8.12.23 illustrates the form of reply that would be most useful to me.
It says 4.04.47
